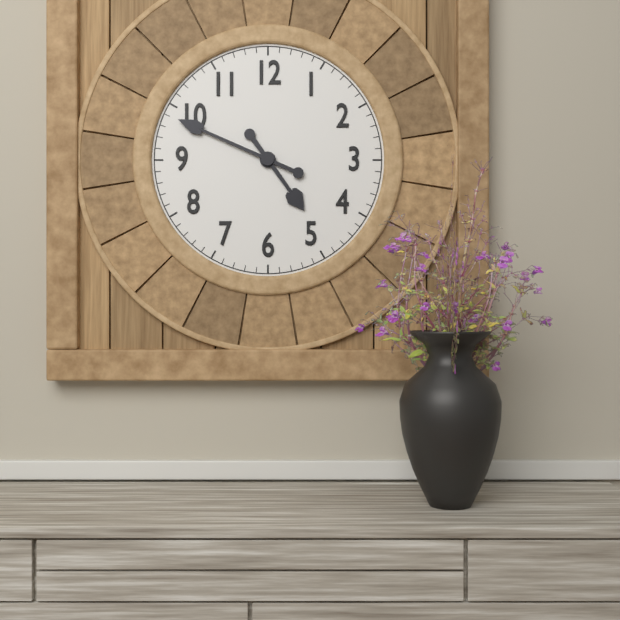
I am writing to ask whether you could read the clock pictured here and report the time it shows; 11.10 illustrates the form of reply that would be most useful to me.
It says 4.49
